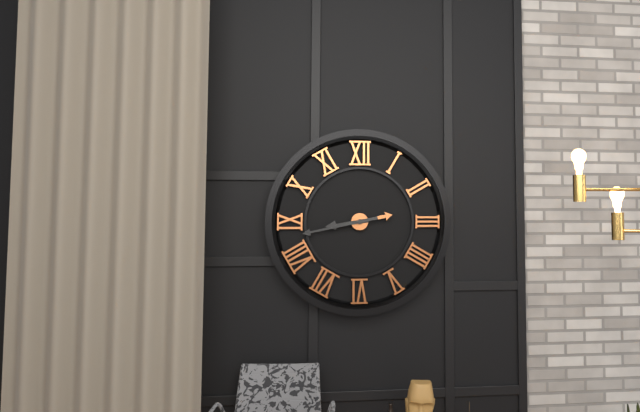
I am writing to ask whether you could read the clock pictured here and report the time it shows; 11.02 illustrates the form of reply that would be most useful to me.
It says 8.43
